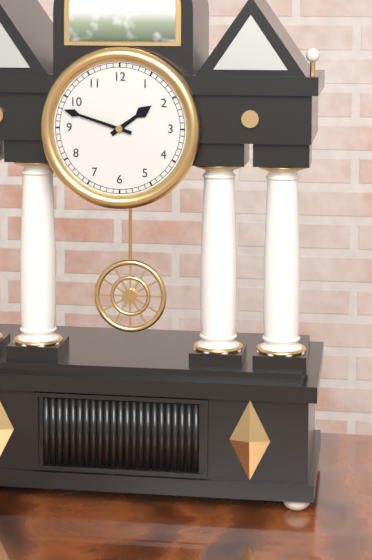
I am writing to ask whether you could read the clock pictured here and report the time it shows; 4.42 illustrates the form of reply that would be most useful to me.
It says 1.48
